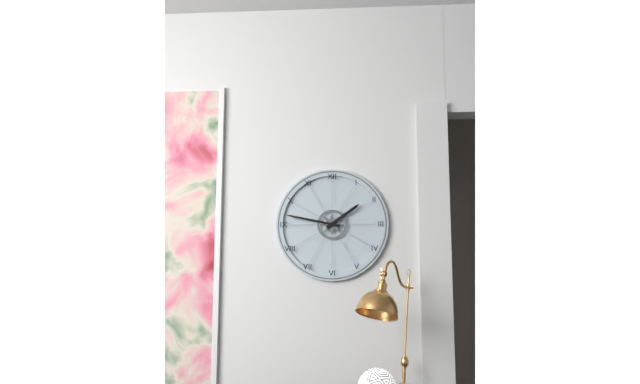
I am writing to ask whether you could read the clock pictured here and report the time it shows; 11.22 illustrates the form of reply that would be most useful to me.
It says 1.47
